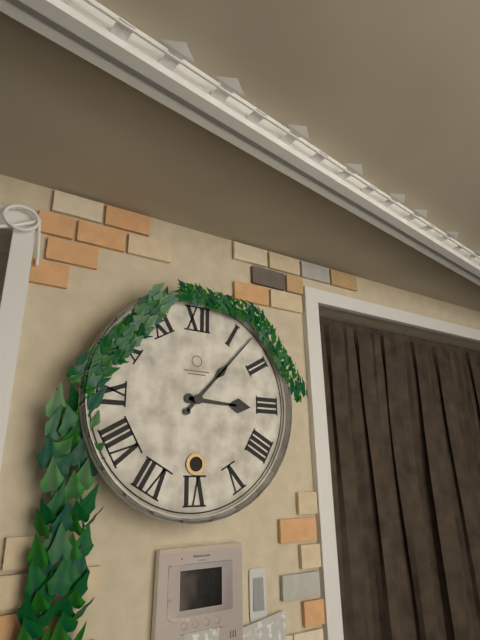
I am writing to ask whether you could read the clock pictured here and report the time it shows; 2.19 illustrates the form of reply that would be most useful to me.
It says 3.07
